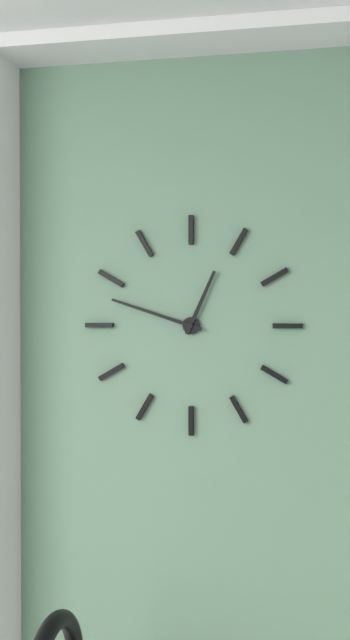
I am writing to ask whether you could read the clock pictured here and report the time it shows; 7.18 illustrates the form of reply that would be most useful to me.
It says 12.48
